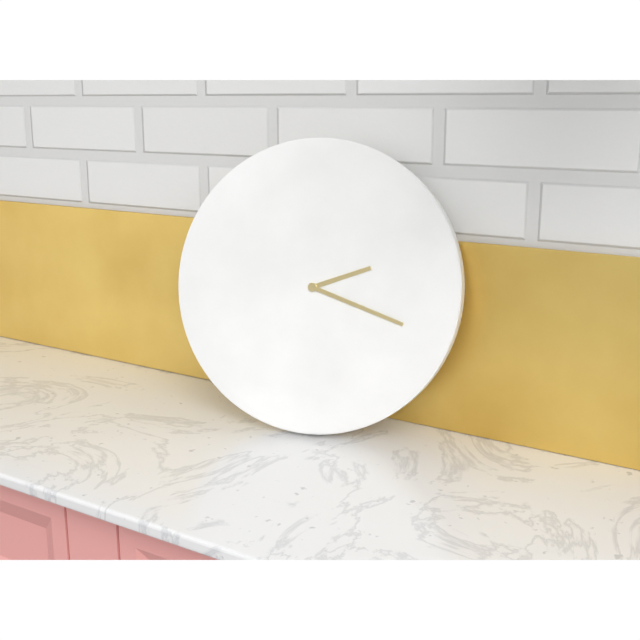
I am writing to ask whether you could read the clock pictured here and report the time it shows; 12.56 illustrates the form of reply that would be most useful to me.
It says 2.18
